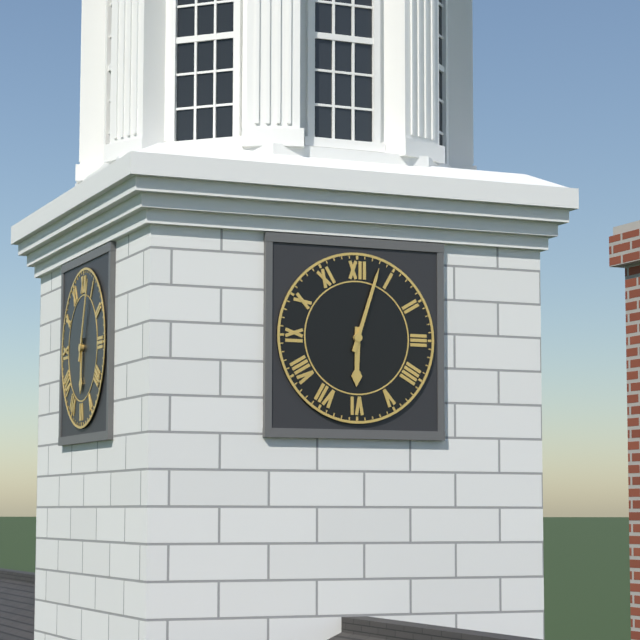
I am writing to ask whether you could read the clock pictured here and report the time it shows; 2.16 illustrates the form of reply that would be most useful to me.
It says 6.03
